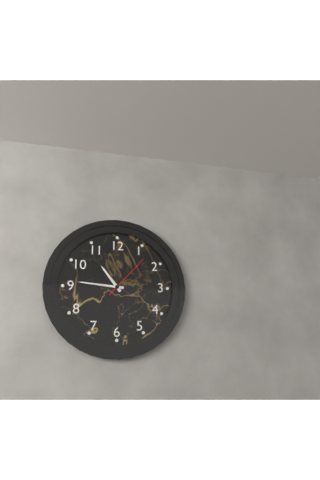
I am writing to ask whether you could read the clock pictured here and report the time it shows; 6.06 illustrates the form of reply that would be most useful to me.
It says 10.46
